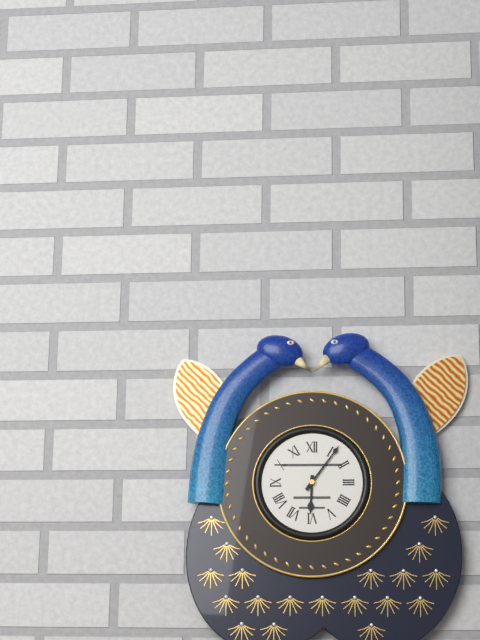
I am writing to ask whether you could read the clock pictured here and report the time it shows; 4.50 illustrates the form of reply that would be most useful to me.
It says 6.06
